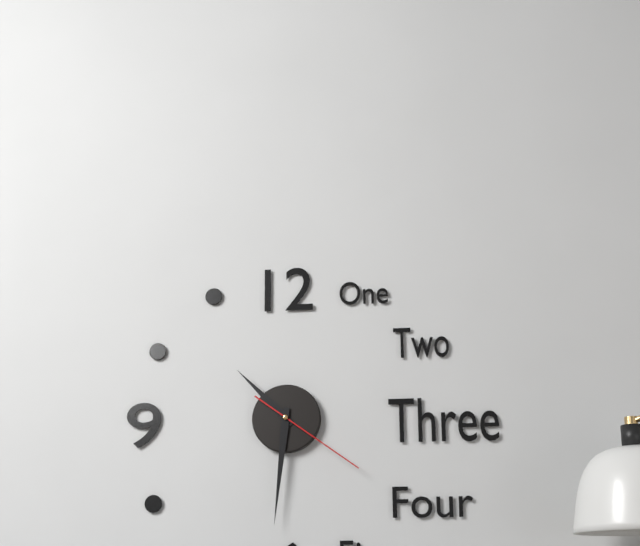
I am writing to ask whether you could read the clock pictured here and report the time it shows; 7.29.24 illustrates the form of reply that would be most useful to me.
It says 10.31.21
